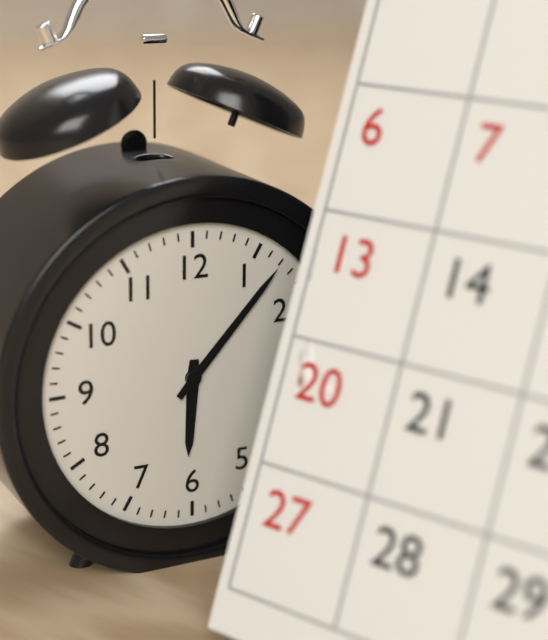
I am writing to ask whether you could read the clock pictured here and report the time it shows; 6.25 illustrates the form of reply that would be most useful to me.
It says 6.07
